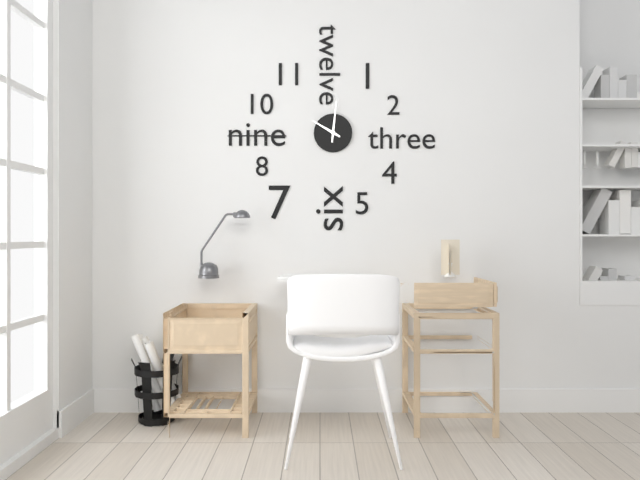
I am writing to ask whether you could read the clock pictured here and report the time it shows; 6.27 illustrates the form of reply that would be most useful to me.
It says 10.01
